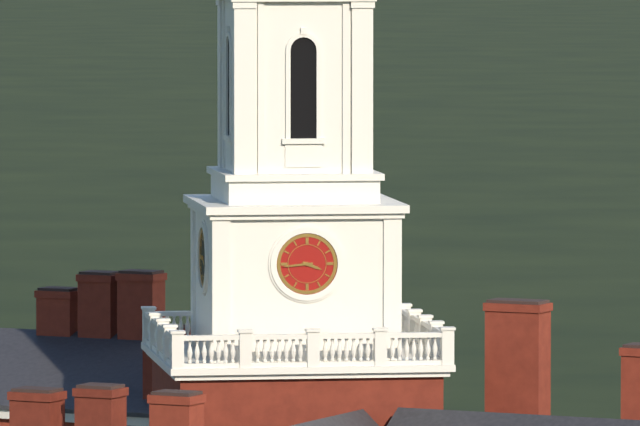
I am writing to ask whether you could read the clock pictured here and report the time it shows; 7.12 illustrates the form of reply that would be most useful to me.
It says 3.44
